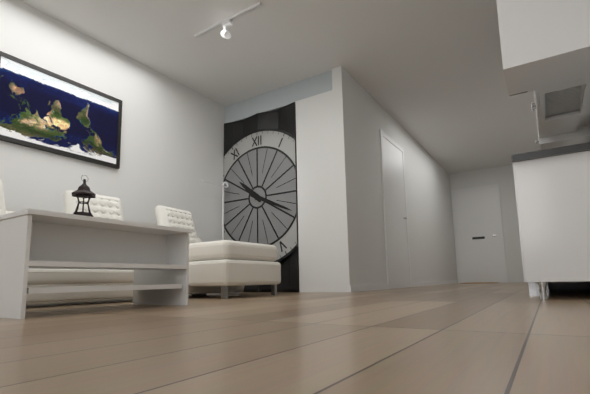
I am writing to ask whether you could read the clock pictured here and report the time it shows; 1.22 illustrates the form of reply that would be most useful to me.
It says 10.19
